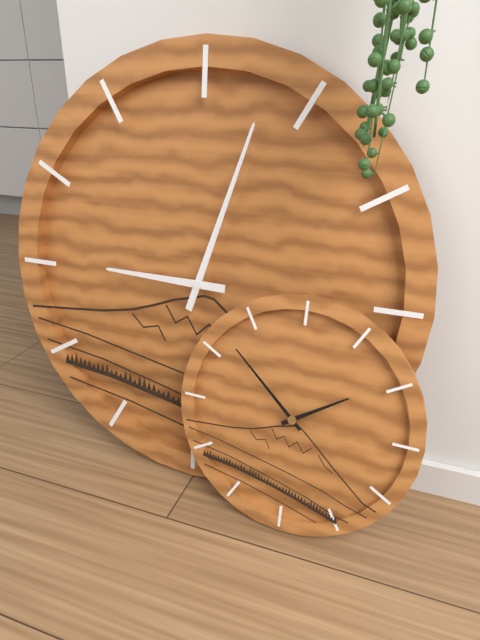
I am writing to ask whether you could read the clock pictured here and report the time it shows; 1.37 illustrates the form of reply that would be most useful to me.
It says 9.03
